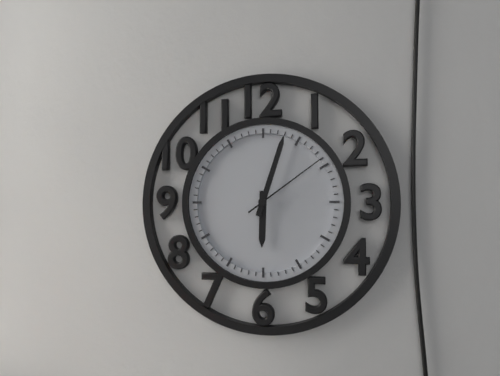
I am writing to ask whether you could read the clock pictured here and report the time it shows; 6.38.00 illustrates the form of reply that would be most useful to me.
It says 6.03.09
